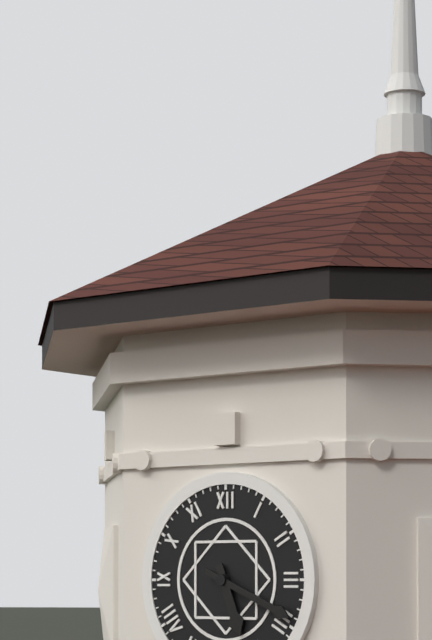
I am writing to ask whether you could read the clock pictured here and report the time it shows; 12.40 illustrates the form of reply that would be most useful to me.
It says 5.19
